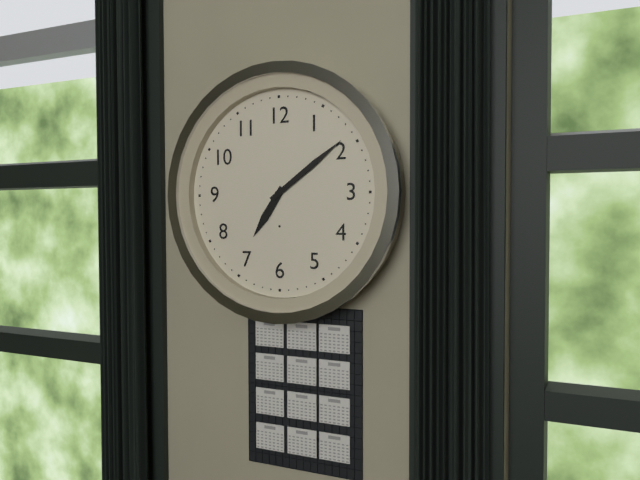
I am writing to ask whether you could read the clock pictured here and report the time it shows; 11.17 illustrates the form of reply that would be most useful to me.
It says 7.09
